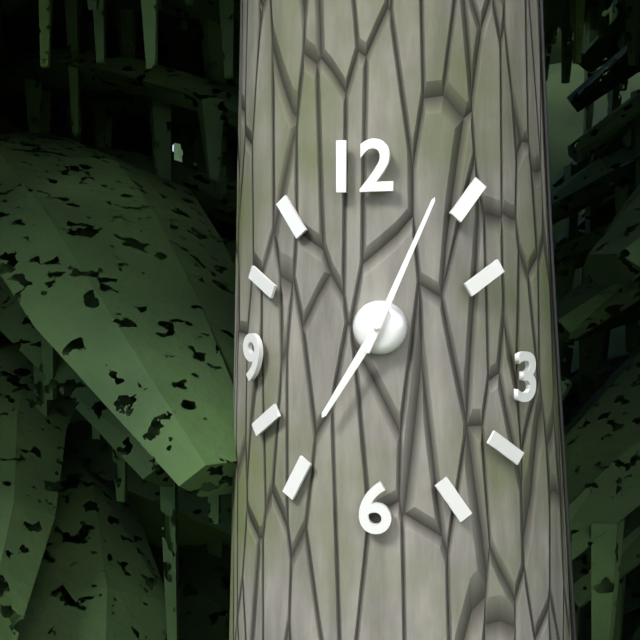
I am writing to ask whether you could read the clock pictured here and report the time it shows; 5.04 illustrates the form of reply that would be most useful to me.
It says 7.04
